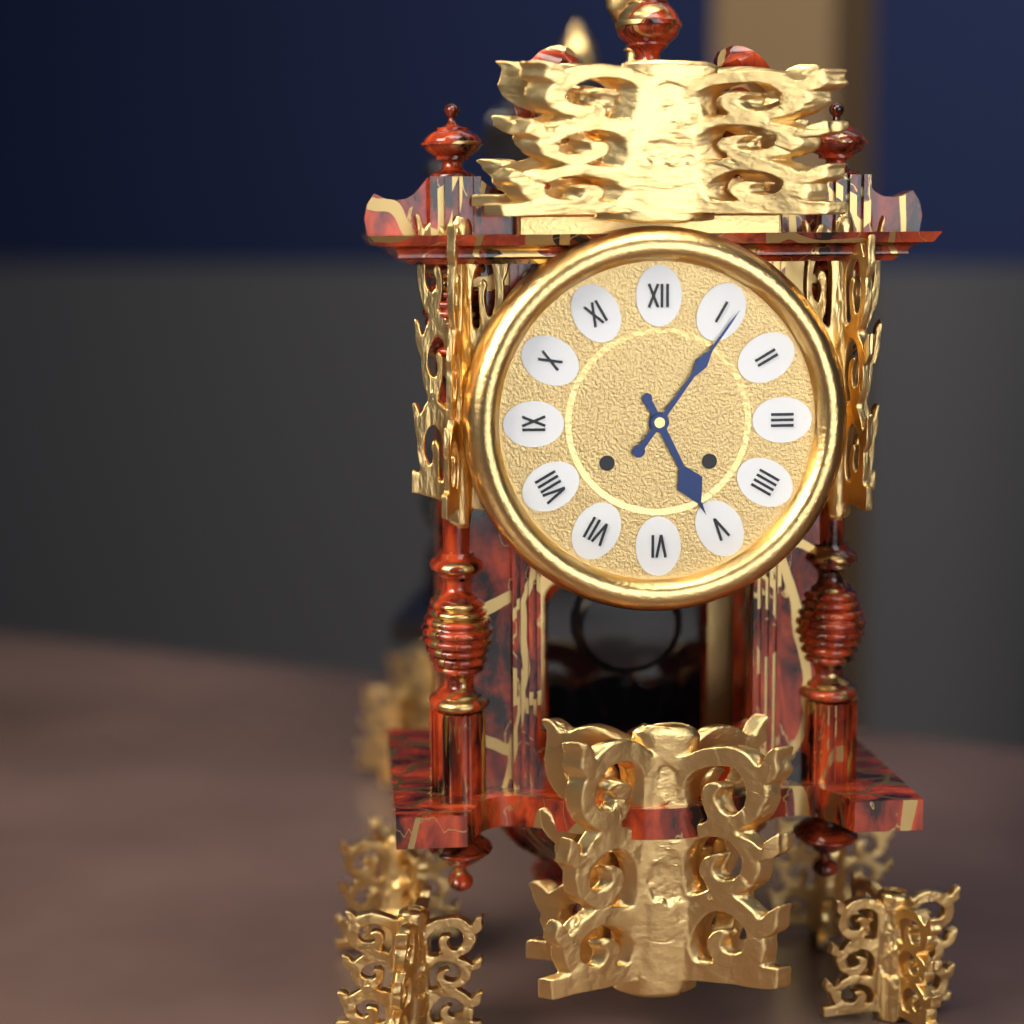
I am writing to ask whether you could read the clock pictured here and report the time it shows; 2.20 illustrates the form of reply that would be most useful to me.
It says 5.06
